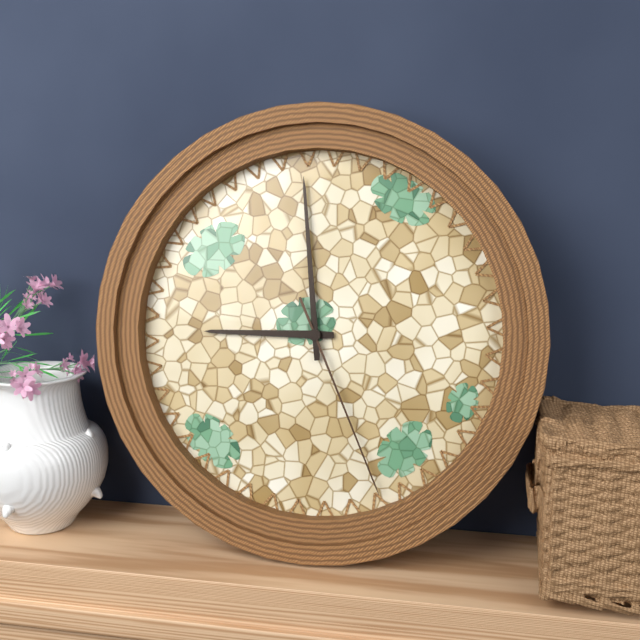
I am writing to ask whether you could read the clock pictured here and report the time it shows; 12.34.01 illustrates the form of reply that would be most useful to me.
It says 8.59.26
